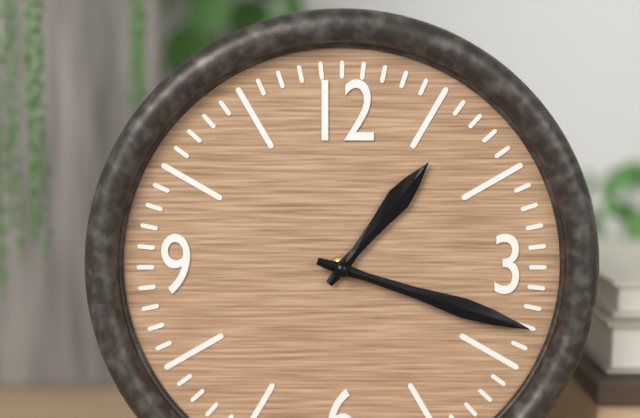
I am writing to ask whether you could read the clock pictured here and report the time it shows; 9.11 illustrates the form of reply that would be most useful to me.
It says 1.18
